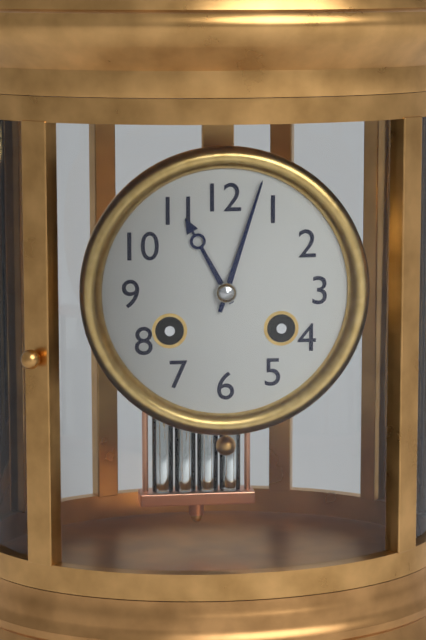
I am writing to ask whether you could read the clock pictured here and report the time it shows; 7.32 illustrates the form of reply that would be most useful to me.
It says 11.03
